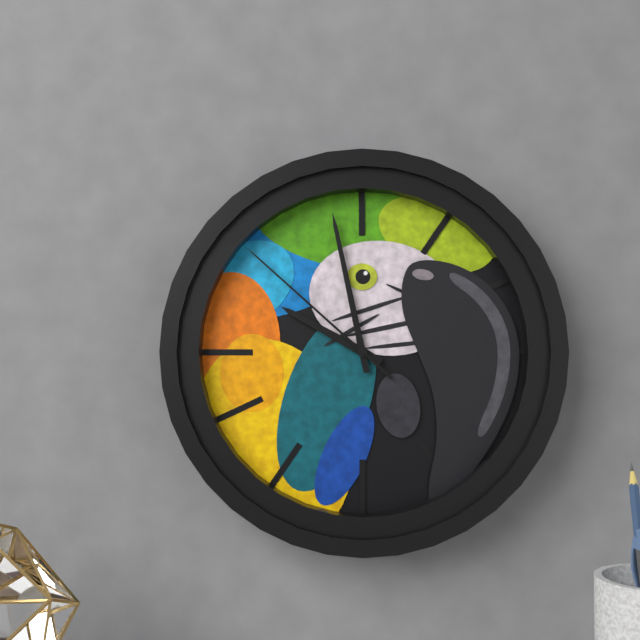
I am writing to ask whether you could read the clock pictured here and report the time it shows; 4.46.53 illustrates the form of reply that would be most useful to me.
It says 9.58.52
